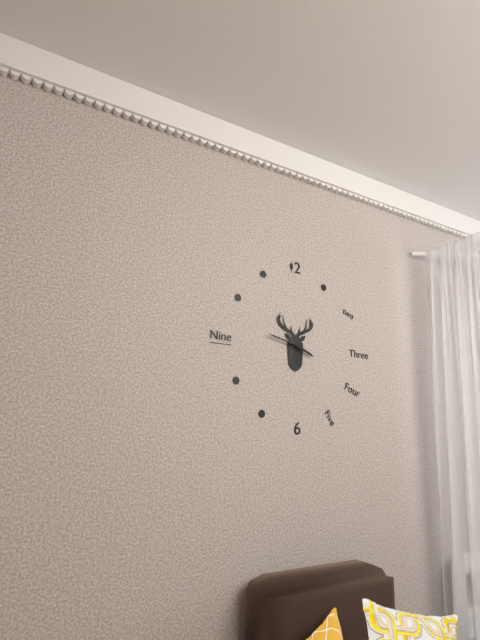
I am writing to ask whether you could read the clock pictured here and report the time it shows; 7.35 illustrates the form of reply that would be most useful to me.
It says 3.47
